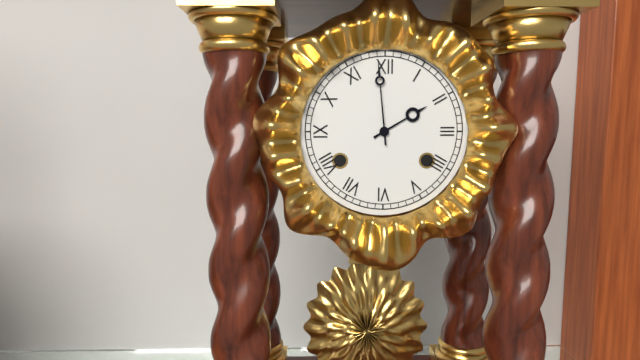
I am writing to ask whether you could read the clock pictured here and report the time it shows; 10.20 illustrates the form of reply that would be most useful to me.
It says 1.59
